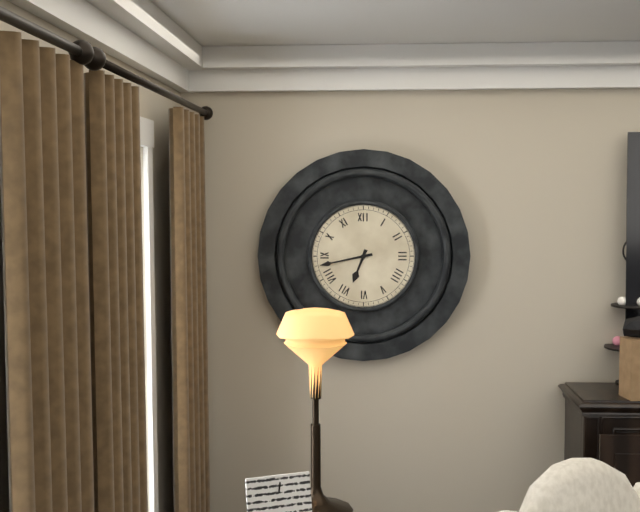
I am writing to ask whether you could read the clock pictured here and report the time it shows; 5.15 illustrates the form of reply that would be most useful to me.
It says 6.43
